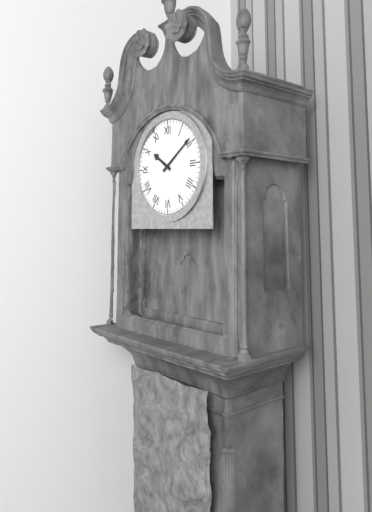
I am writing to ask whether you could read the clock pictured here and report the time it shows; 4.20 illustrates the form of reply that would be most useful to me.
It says 10.09
